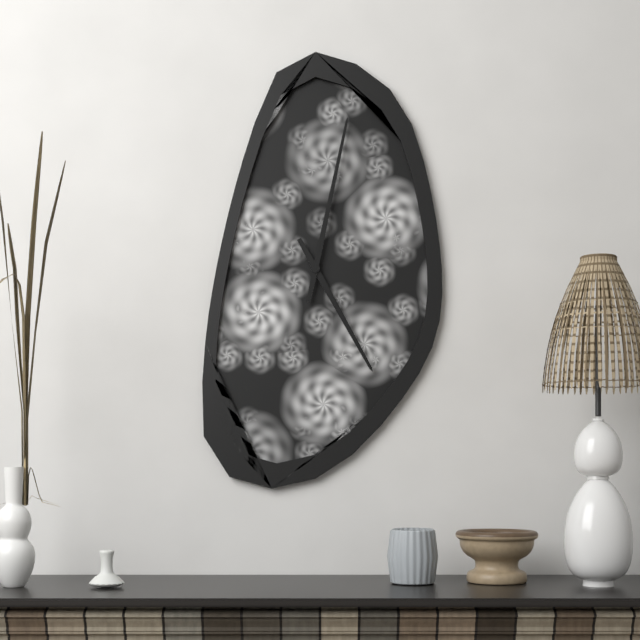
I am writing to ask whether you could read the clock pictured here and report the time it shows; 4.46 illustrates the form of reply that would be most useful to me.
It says 5.02
